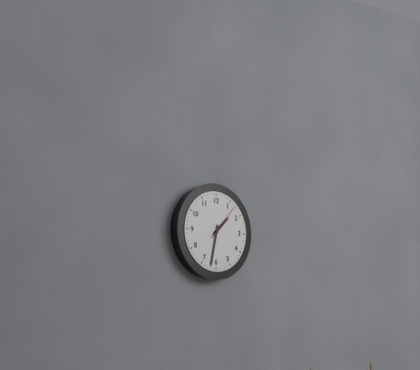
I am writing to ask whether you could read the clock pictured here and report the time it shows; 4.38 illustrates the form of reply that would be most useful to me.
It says 1.32
